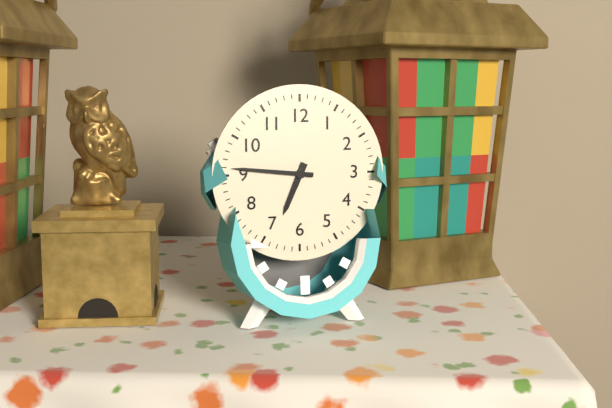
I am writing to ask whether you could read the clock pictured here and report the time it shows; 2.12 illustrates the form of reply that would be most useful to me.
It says 6.46
